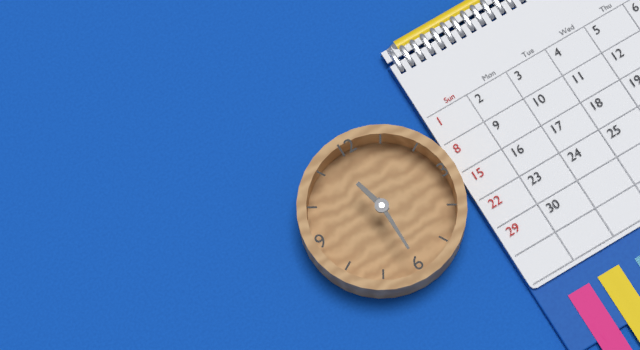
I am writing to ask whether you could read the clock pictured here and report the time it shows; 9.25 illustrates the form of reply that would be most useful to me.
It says 11.30
